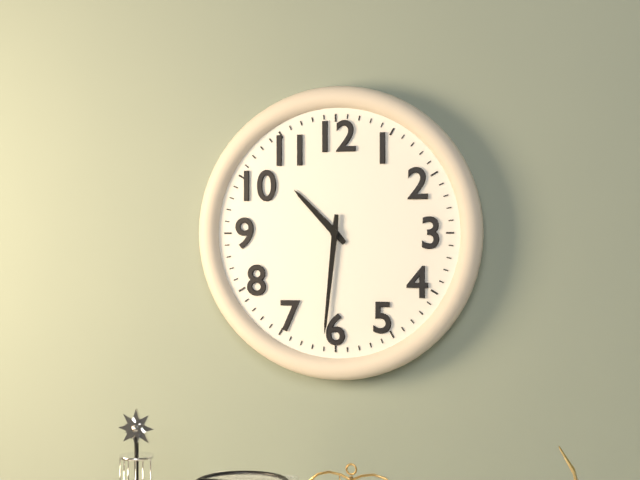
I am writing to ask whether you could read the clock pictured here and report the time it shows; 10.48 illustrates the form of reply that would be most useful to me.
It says 10.31
